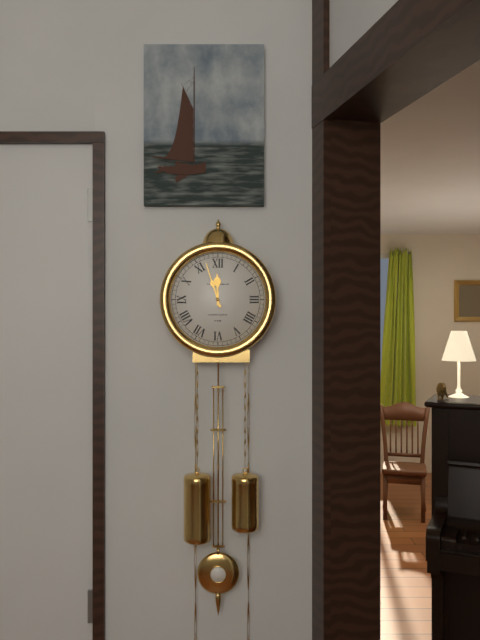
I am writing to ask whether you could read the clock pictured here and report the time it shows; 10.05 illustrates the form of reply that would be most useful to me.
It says 11.57
